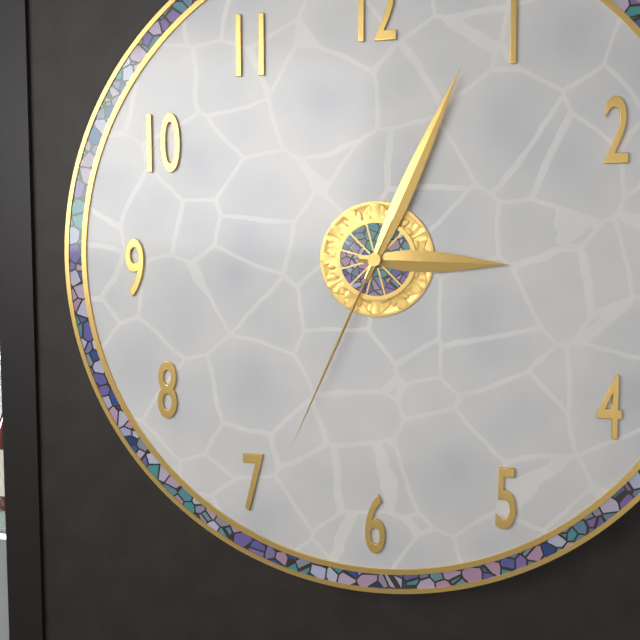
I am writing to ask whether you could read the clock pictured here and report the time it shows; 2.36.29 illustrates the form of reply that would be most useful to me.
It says 3.04.34
